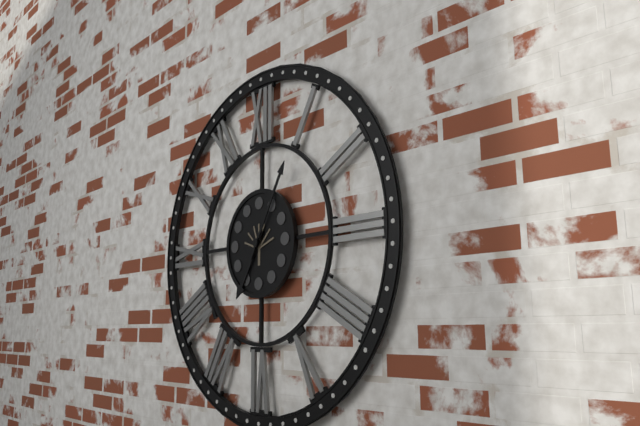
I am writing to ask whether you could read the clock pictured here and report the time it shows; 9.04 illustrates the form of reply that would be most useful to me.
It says 7.05
